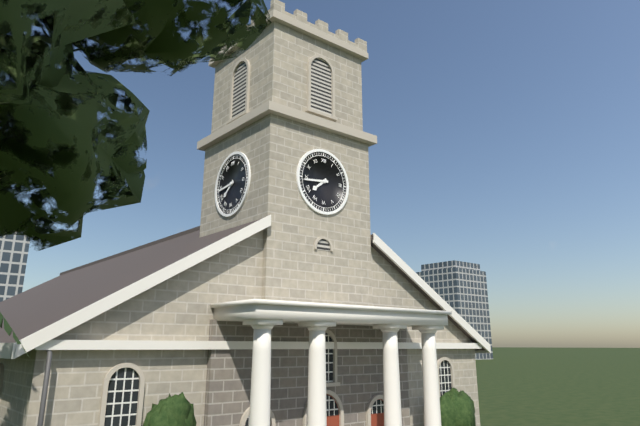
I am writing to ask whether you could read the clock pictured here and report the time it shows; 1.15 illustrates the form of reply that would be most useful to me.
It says 7.44
